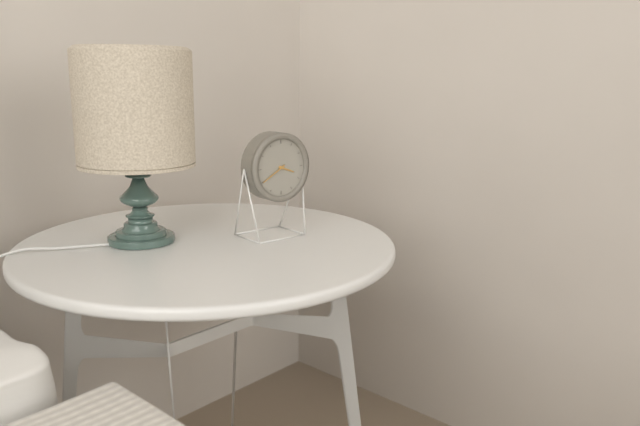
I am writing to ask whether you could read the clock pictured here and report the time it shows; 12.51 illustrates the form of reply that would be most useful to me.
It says 3.40
